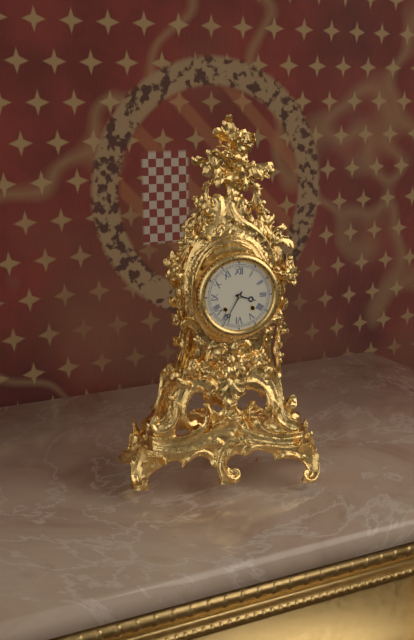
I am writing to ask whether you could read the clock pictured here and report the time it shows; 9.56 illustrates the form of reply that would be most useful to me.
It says 3.35
